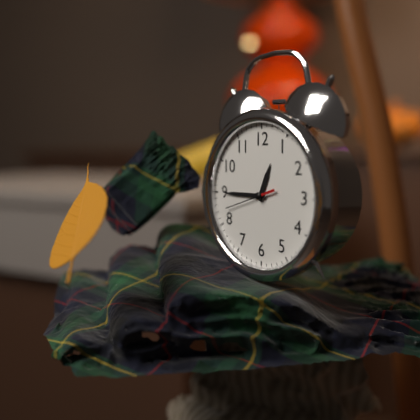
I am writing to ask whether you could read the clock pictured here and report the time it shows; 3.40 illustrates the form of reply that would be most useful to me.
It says 12.45
